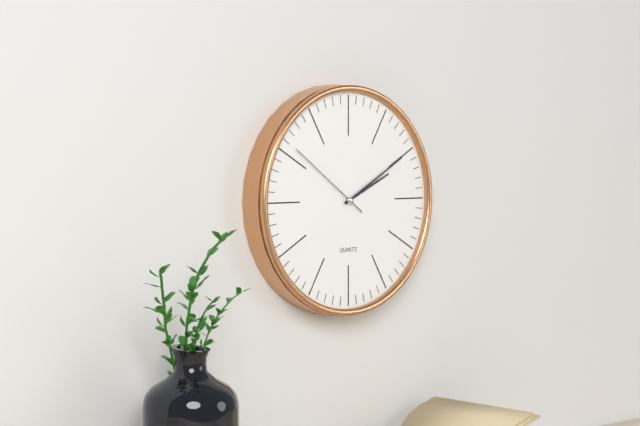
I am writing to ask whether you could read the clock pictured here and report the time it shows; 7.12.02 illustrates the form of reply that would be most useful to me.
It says 2.10.51
